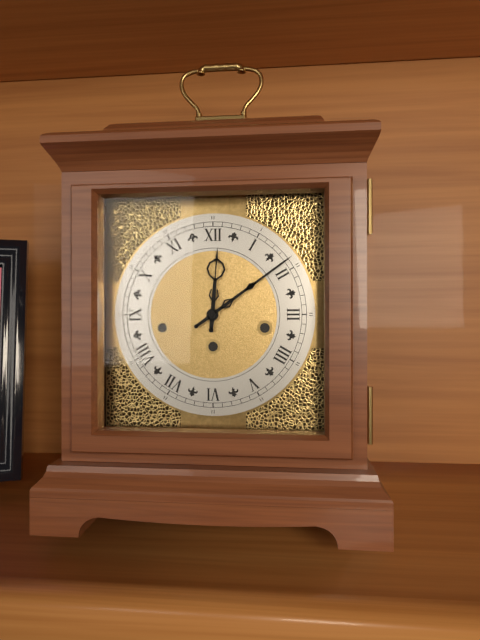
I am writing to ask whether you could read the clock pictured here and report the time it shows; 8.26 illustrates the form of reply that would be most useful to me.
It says 12.09
